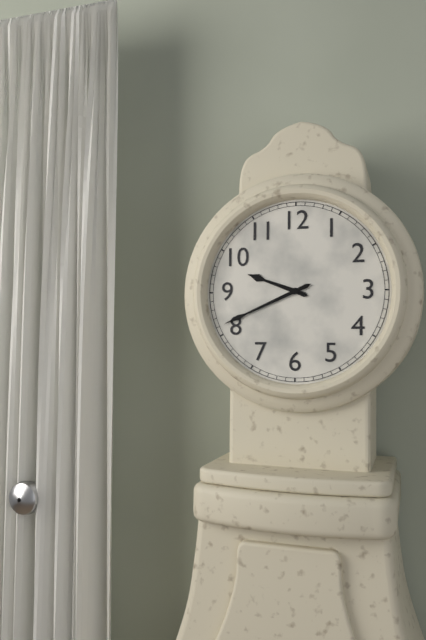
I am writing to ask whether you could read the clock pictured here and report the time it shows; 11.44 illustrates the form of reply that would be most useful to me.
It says 9.41
